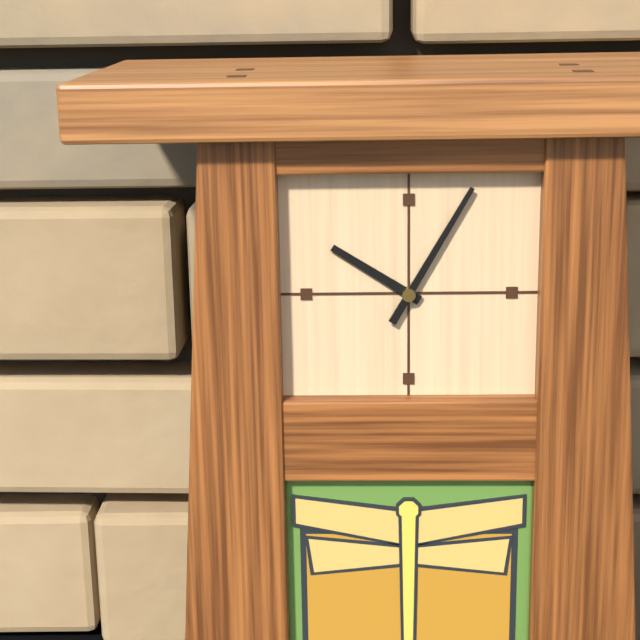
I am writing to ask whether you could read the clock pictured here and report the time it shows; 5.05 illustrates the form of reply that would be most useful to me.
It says 10.05
